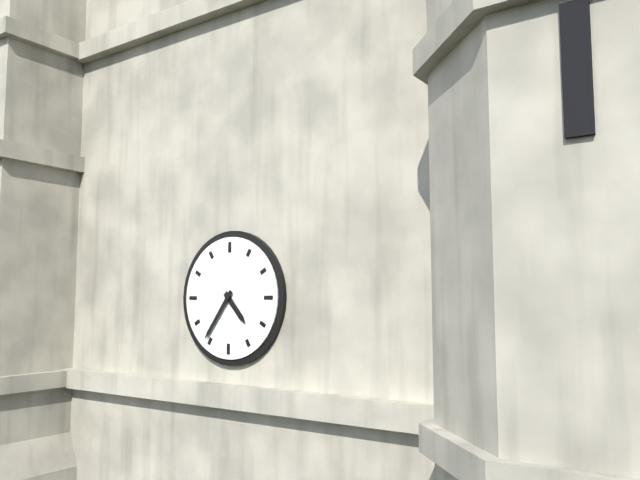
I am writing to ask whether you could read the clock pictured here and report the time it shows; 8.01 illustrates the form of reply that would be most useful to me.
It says 4.36
